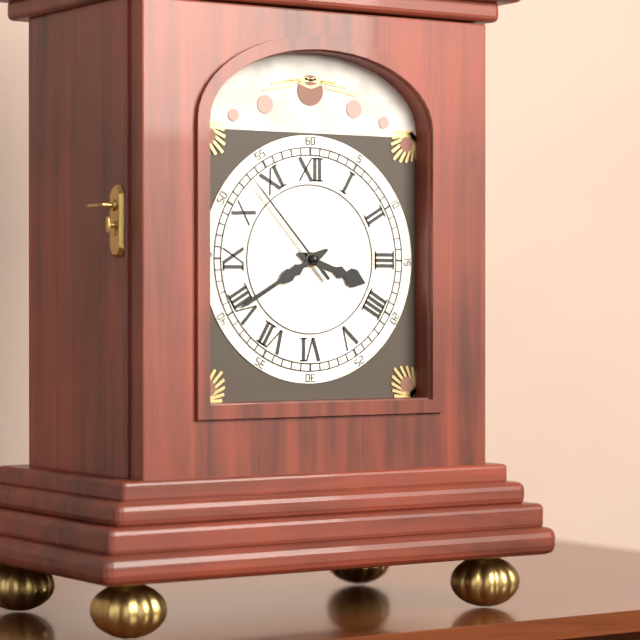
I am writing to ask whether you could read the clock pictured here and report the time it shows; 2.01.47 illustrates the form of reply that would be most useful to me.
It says 3.40.53
